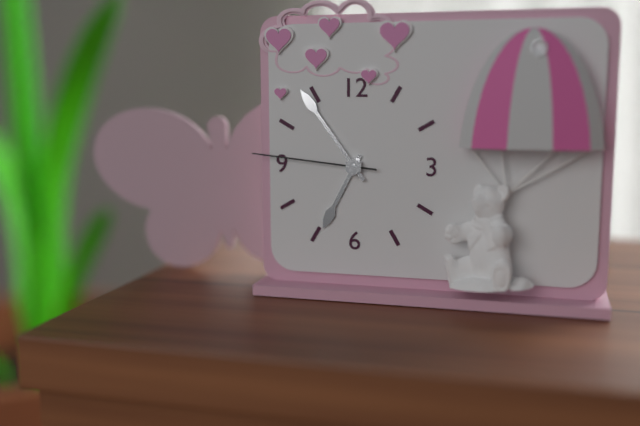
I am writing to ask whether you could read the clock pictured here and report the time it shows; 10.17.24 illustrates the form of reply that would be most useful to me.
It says 6.54.46
